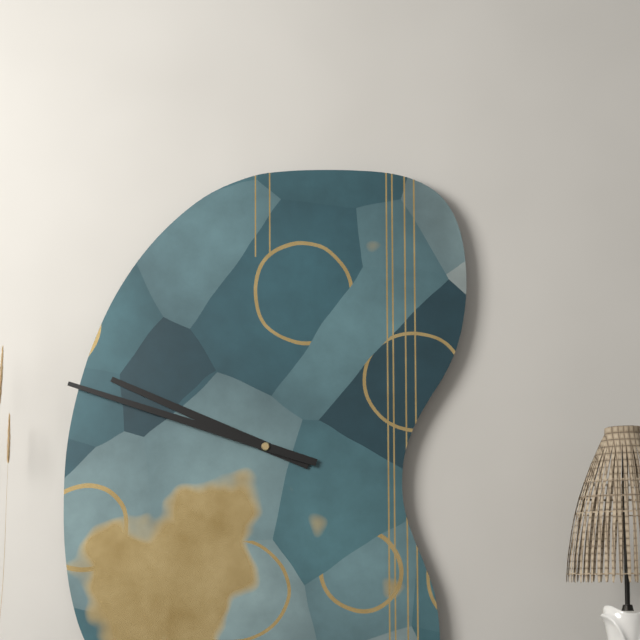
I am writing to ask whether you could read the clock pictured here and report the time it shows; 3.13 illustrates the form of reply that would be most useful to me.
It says 9.48
